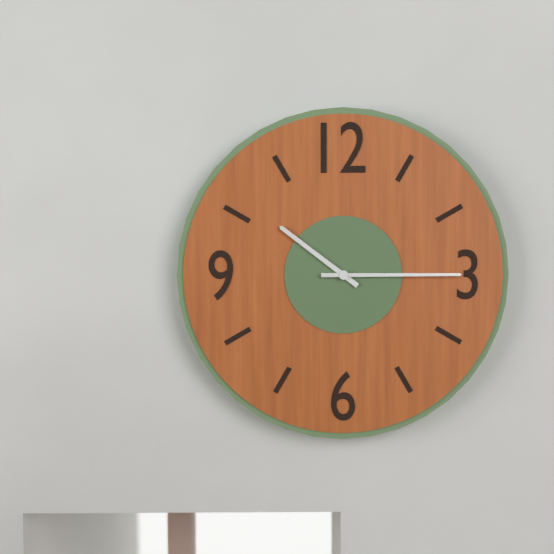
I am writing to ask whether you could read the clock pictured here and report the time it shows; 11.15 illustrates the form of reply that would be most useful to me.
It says 10.15
